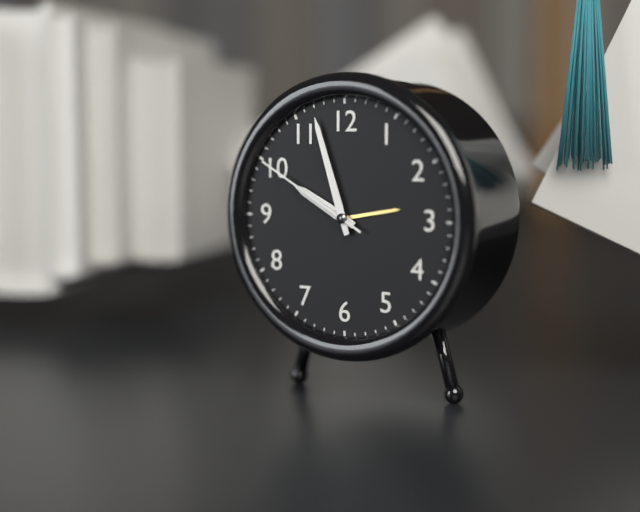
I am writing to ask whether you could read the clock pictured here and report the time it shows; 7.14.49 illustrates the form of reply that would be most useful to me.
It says 9.57.50
